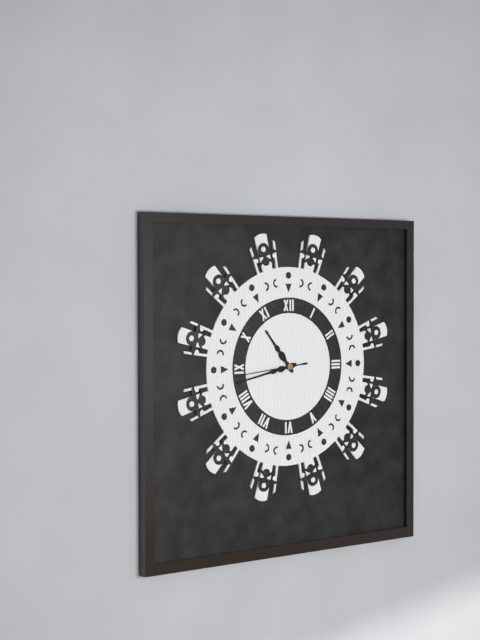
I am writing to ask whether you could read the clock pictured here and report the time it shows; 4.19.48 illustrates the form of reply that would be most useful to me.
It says 10.43.44
